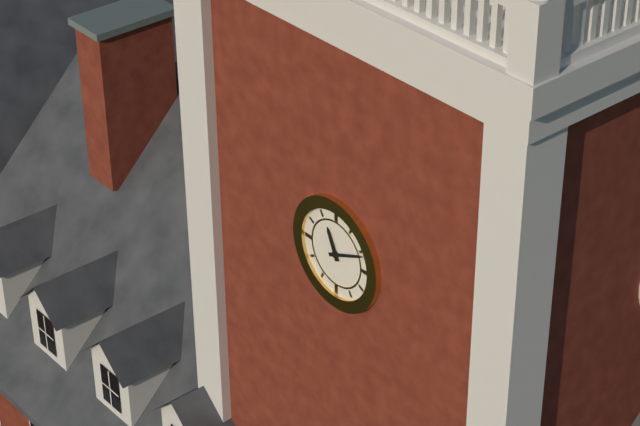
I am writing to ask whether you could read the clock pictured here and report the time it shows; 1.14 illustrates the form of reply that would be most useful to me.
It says 11.11
